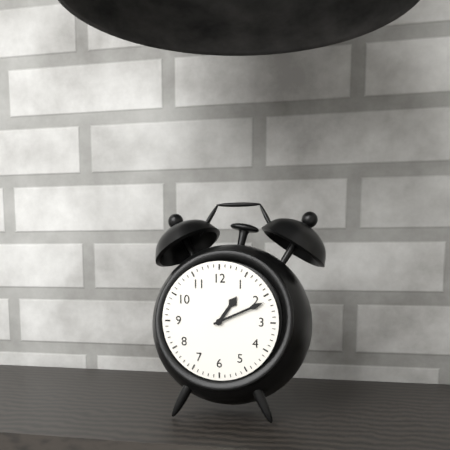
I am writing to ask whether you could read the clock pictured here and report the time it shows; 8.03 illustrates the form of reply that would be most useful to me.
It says 1.11
